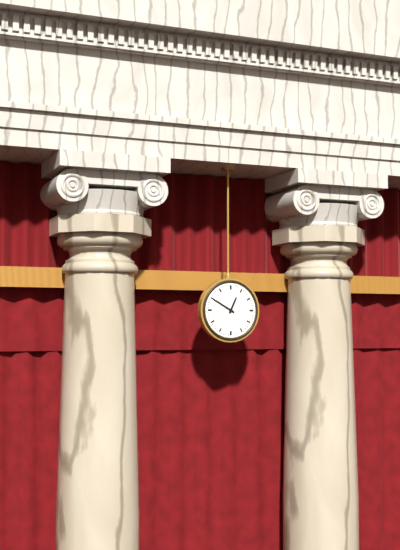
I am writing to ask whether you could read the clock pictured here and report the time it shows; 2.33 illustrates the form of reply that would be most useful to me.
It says 12.50
